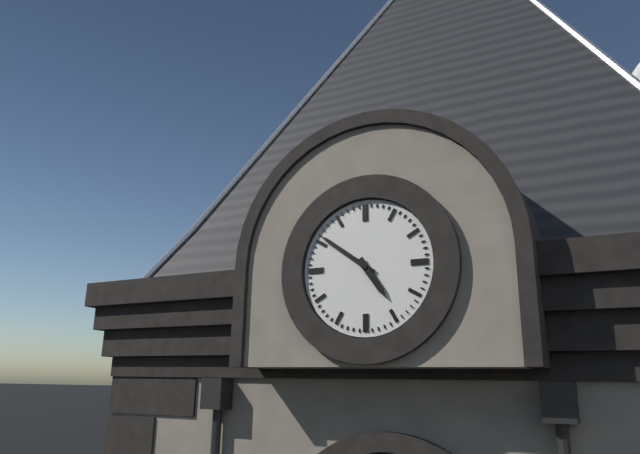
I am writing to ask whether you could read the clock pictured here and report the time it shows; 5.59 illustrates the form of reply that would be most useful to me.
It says 4.51
